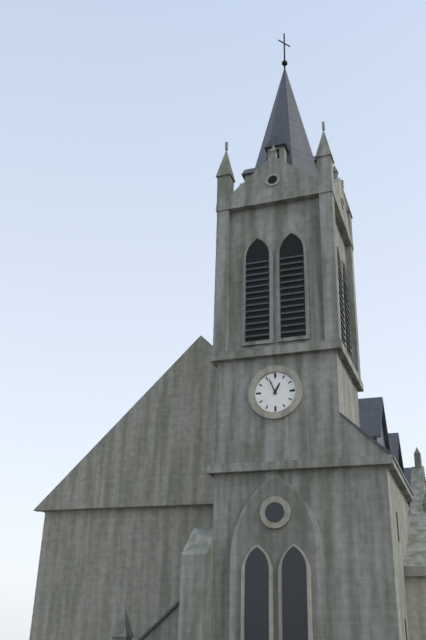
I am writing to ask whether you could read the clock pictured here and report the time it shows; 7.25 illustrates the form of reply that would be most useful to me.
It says 12.56
